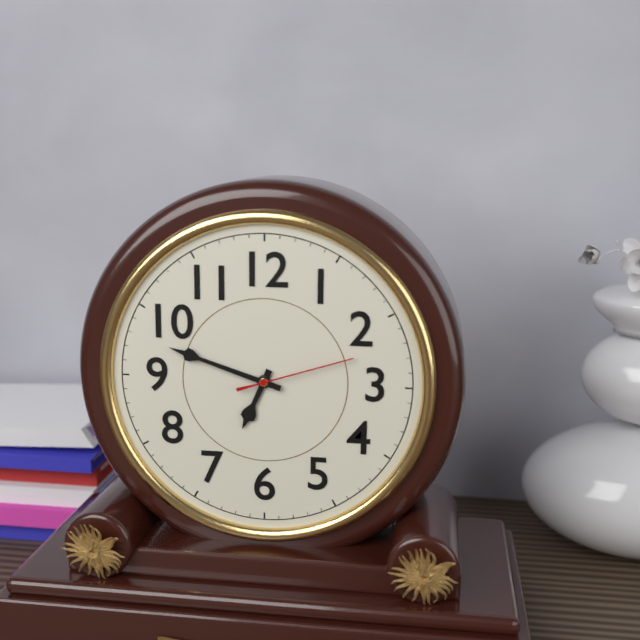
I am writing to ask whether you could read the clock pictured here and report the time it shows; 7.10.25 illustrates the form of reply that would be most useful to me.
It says 6.48.12
